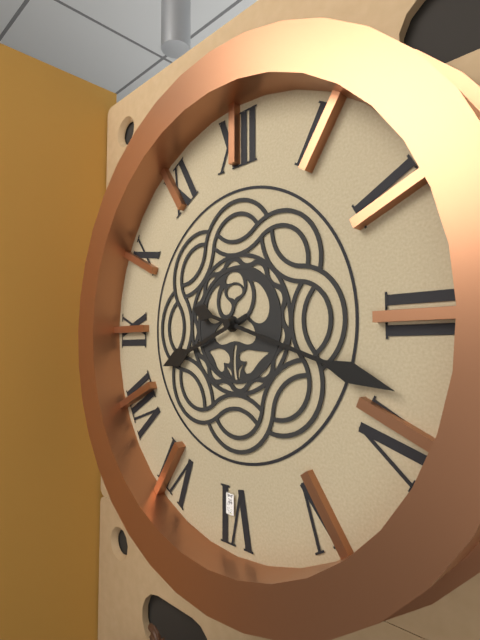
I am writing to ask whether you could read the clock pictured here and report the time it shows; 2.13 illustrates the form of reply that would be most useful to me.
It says 8.18
